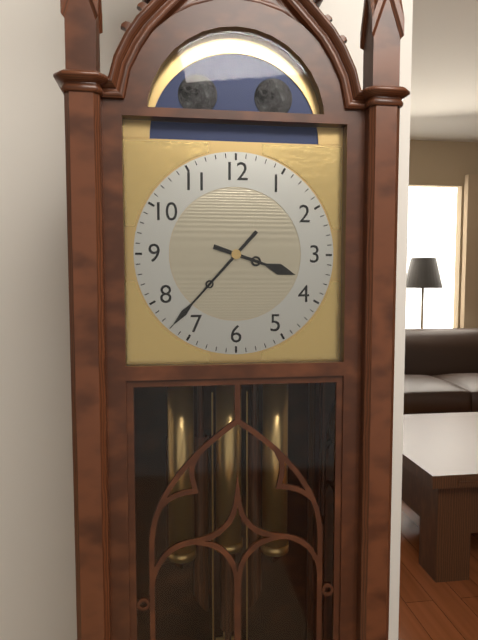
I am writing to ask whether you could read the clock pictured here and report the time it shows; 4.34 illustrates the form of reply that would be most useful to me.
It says 3.37
